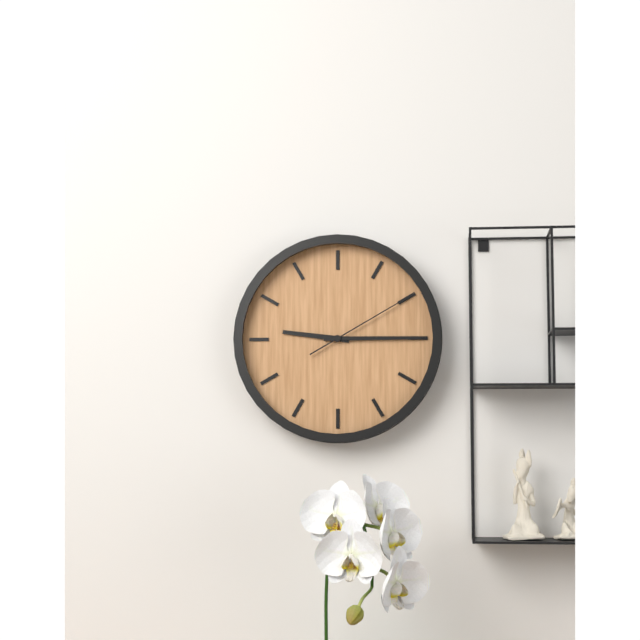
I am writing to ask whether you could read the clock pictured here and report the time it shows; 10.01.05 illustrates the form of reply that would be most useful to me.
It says 9.15.10
